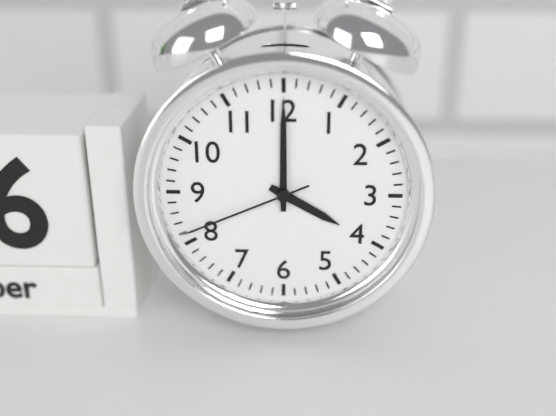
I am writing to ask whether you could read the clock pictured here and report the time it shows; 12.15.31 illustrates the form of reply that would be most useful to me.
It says 4.00.41
